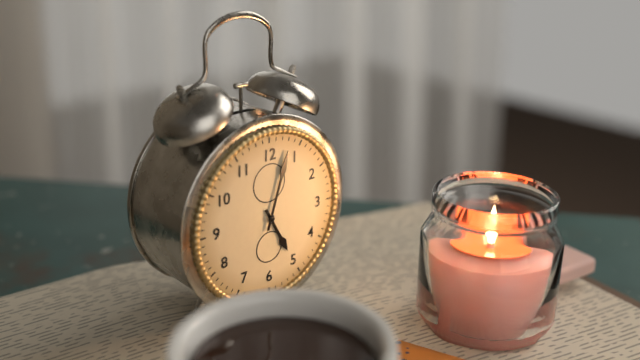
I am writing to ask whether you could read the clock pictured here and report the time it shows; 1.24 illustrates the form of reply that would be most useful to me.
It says 5.03
